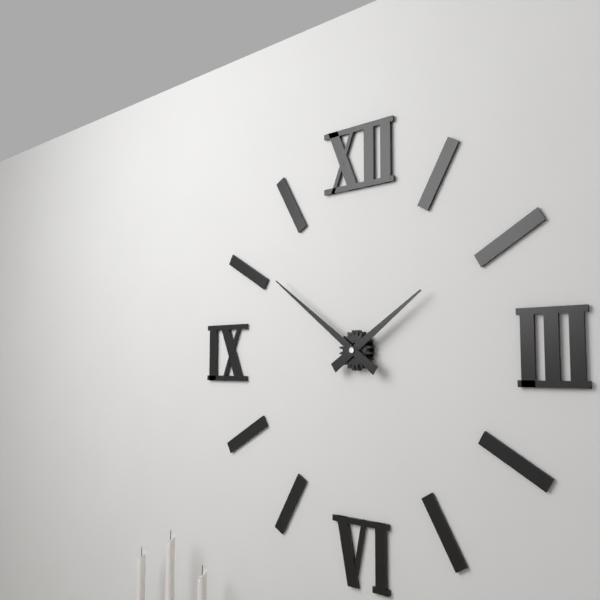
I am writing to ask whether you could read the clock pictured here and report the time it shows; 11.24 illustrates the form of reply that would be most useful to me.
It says 1.51
